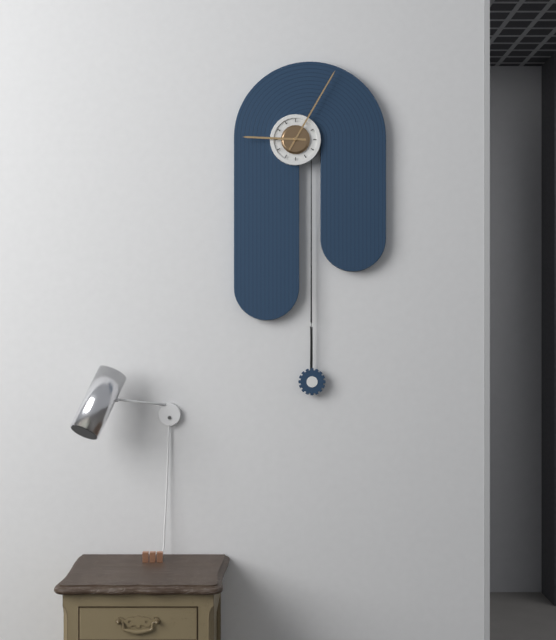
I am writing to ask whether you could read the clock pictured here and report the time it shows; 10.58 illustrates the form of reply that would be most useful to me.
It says 9.05
